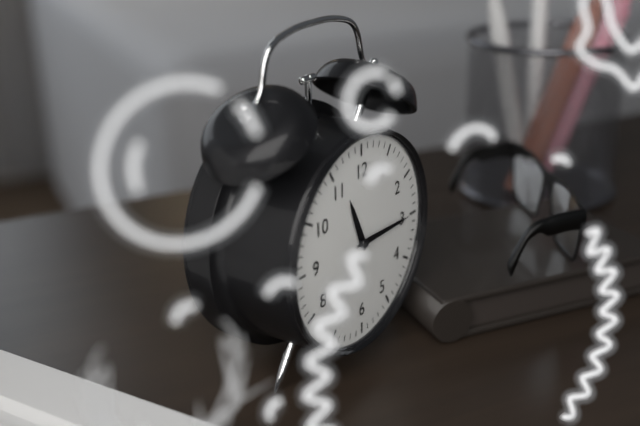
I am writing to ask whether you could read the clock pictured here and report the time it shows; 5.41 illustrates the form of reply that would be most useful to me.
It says 11.15
